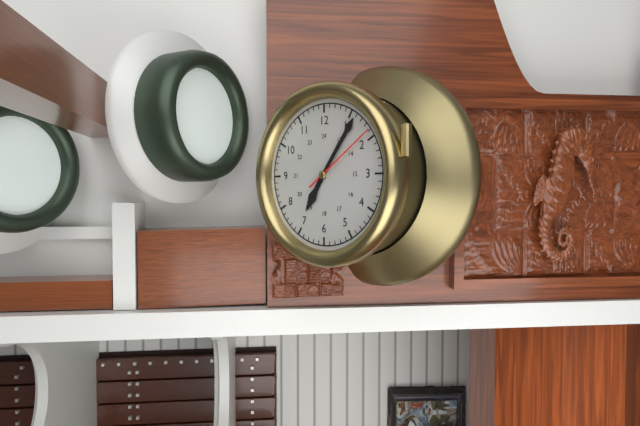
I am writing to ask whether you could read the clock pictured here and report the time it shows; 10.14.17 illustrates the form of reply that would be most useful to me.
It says 7.06.09
